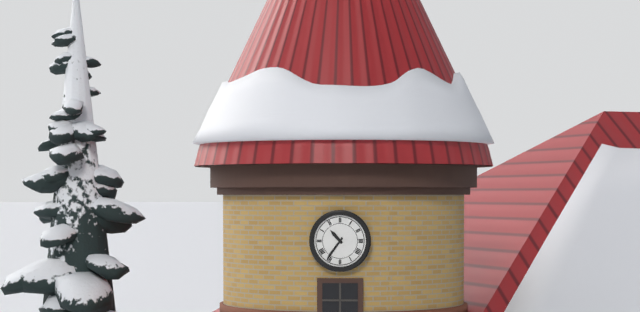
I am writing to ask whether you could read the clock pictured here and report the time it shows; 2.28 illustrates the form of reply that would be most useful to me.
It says 10.36
